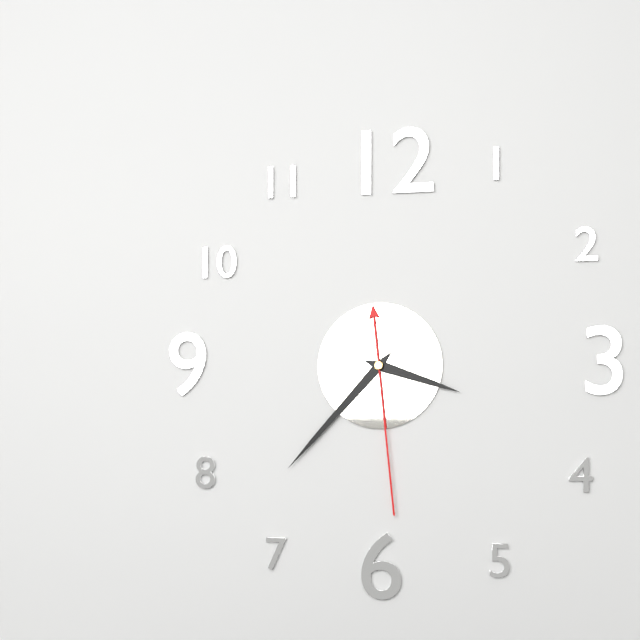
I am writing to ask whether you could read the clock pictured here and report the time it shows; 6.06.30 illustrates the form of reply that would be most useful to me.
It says 3.37.29
